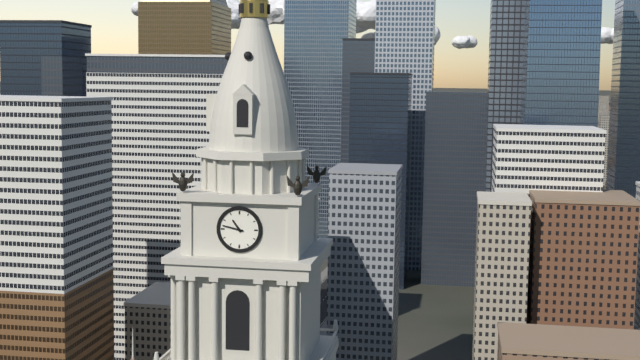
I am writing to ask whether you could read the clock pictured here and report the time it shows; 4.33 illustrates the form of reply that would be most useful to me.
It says 10.47
